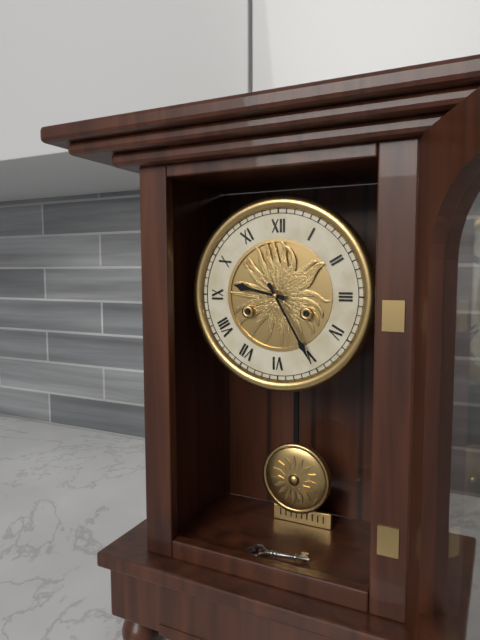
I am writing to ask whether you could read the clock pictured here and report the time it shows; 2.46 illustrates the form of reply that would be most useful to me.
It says 9.25
